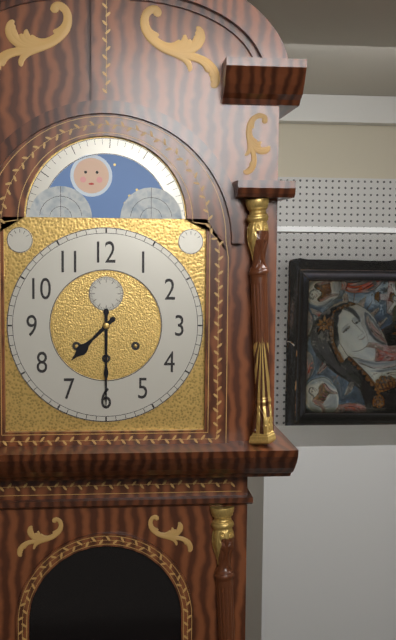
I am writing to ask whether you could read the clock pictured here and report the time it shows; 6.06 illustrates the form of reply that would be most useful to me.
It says 7.30
